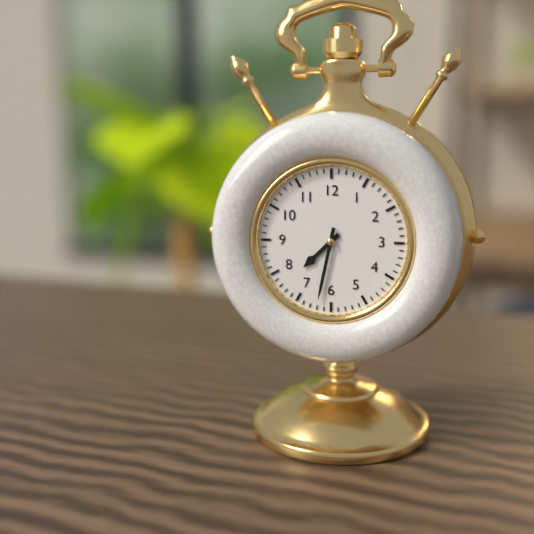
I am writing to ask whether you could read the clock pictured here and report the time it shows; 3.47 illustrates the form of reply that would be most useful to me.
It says 7.32
